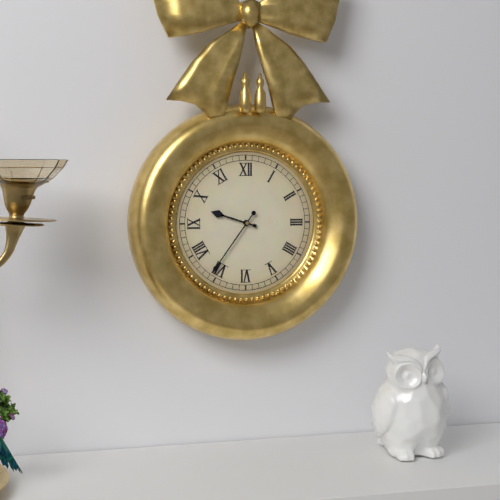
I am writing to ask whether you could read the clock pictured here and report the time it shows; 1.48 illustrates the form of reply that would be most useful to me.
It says 9.36
